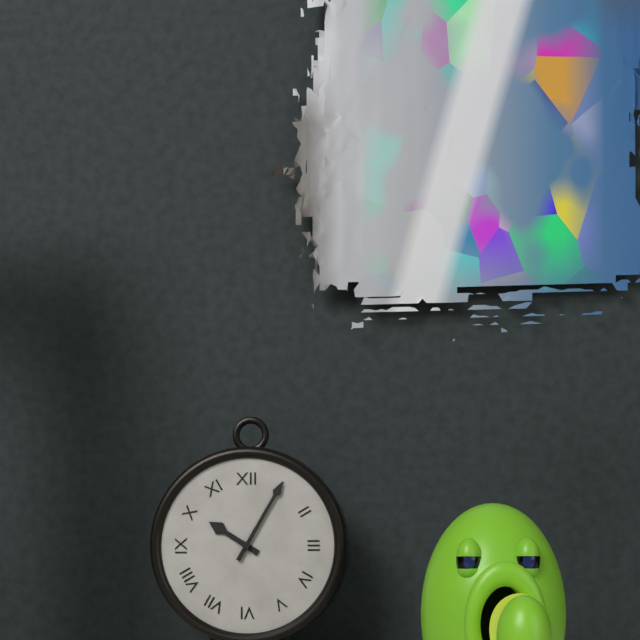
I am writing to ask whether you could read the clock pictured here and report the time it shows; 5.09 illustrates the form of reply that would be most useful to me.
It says 10.05
